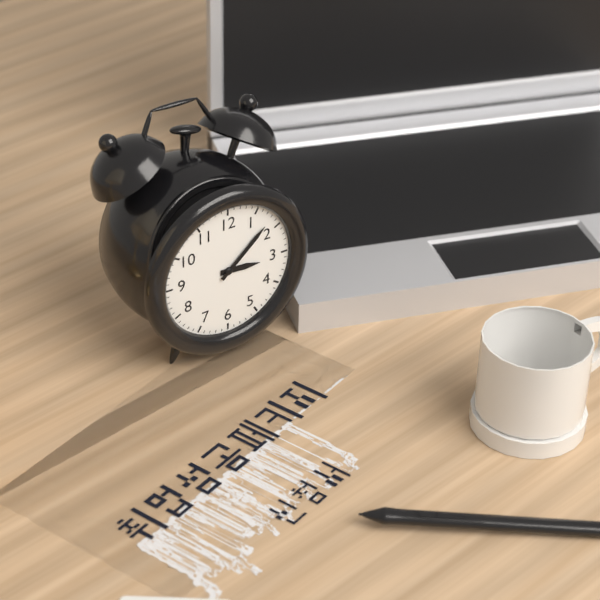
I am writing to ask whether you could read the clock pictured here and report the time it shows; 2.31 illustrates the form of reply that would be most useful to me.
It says 3.08
